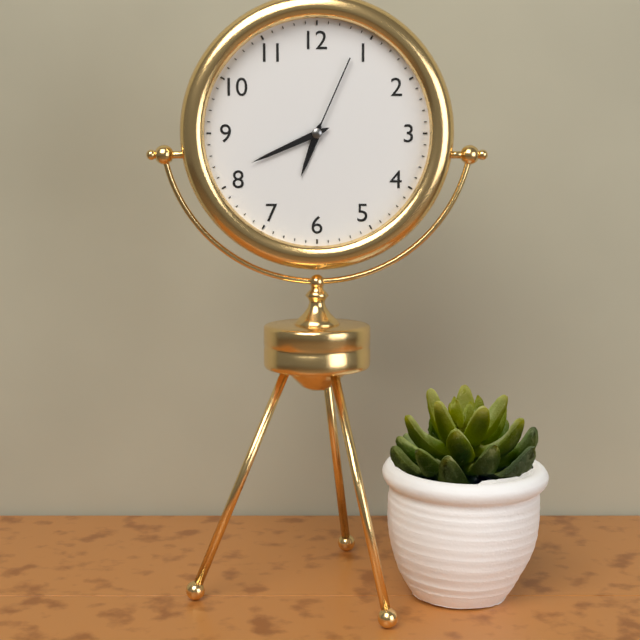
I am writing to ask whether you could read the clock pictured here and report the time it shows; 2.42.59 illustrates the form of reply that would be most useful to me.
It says 6.41.04
